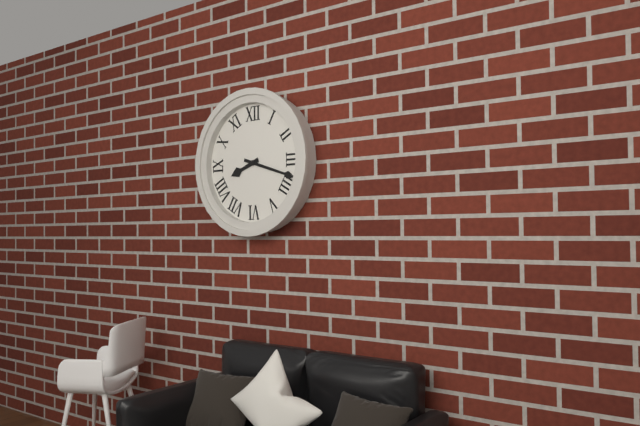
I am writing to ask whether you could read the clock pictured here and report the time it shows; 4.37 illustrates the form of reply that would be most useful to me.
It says 8.18
